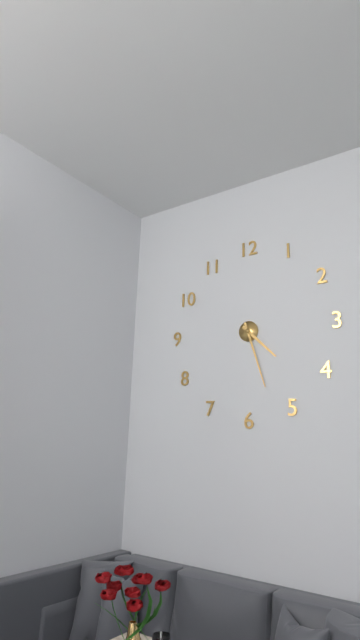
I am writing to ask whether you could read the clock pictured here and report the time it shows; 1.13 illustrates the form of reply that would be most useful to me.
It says 4.27
